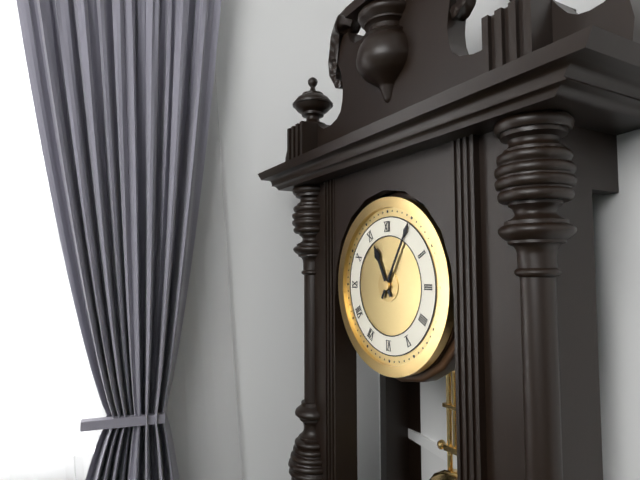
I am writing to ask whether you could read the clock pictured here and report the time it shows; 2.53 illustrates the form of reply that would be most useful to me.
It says 11.05
